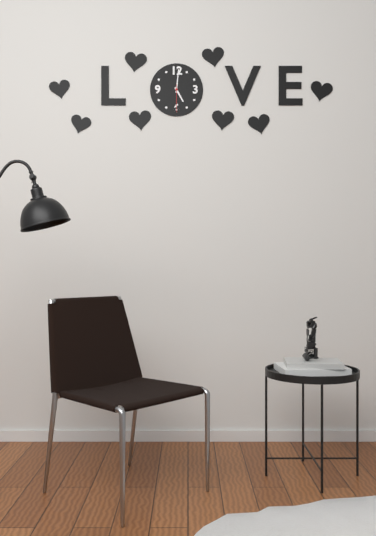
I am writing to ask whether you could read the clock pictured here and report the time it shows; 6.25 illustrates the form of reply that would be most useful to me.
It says 5.01
